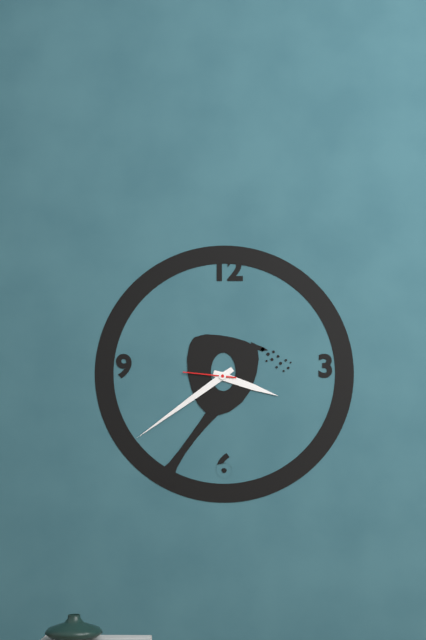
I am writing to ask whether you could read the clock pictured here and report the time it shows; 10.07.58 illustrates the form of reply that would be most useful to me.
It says 3.39.46
